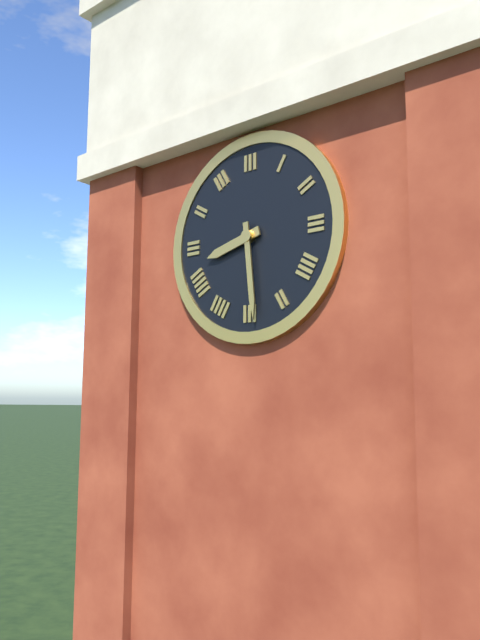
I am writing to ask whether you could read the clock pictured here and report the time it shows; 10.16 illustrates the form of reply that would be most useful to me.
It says 8.29
